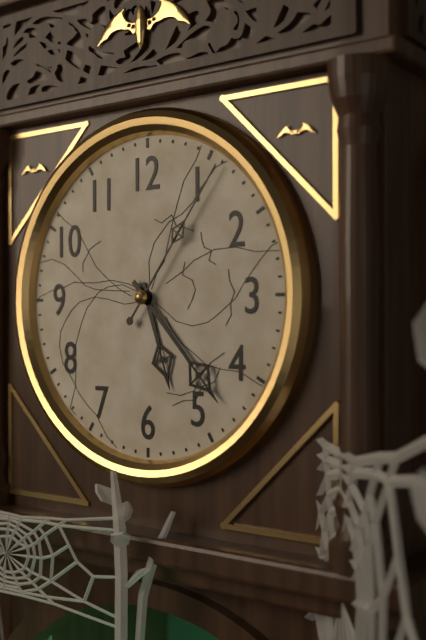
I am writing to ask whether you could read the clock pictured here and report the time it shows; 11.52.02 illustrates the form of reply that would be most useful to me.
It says 5.23.06
